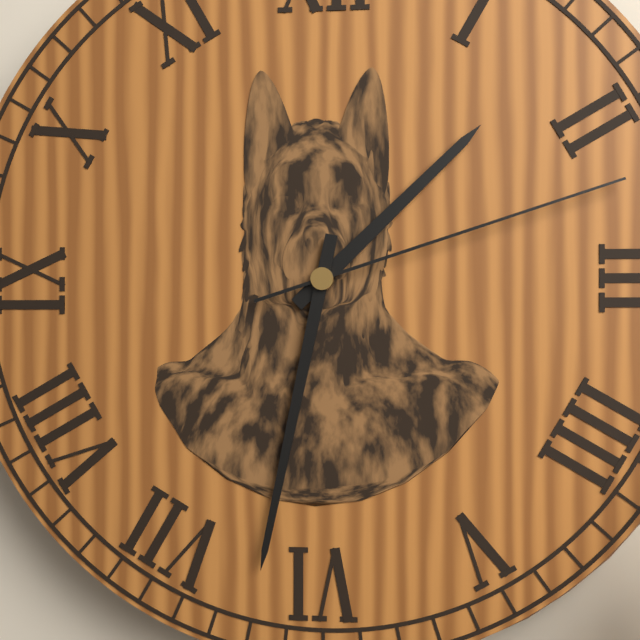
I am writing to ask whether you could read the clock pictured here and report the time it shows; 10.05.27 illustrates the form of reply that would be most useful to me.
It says 1.32.12
